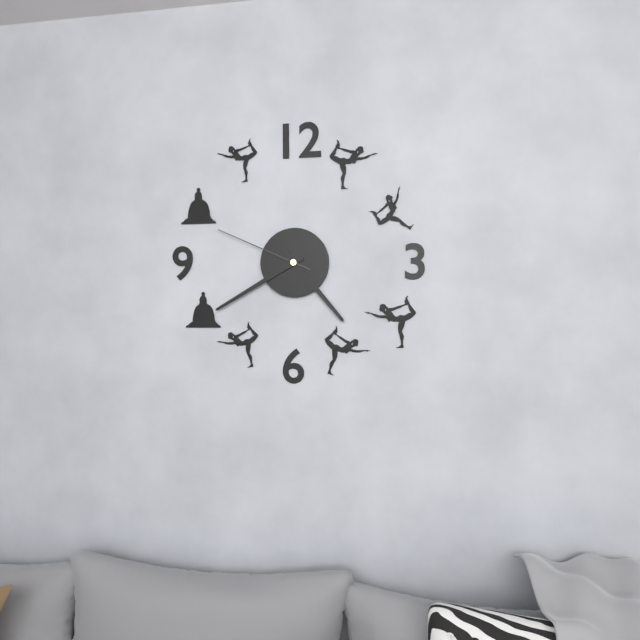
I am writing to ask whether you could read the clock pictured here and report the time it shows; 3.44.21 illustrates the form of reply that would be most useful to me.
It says 4.40.49
